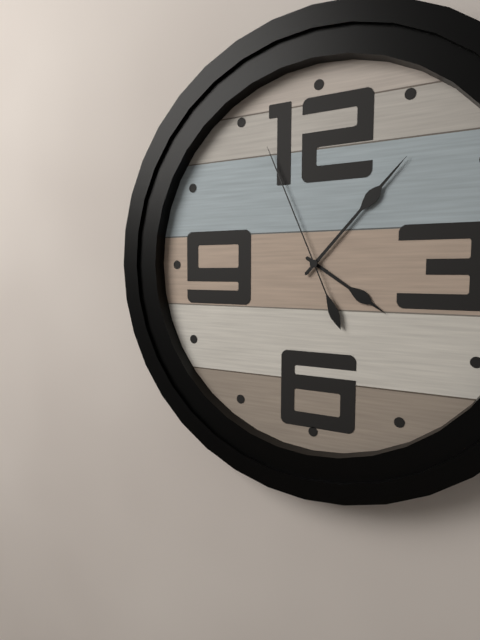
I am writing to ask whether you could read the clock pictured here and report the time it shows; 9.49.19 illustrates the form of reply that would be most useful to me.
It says 4.07.56
